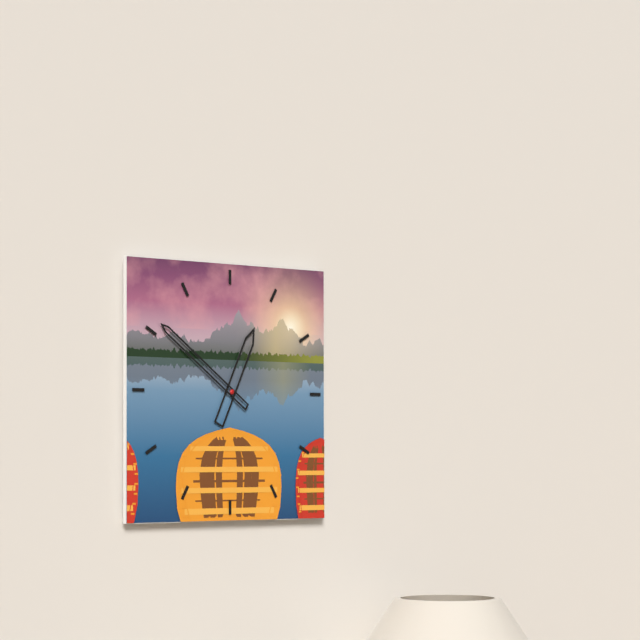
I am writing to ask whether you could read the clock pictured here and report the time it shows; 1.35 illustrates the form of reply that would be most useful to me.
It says 12.51
